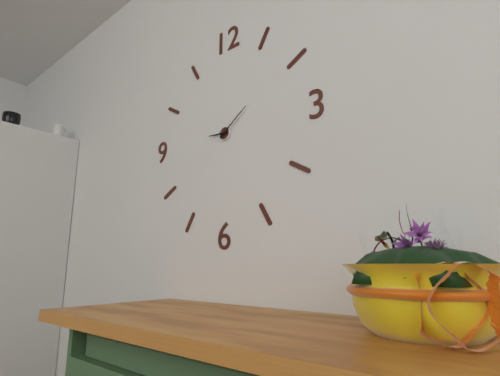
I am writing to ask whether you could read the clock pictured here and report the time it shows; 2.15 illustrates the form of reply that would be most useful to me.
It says 9.09
